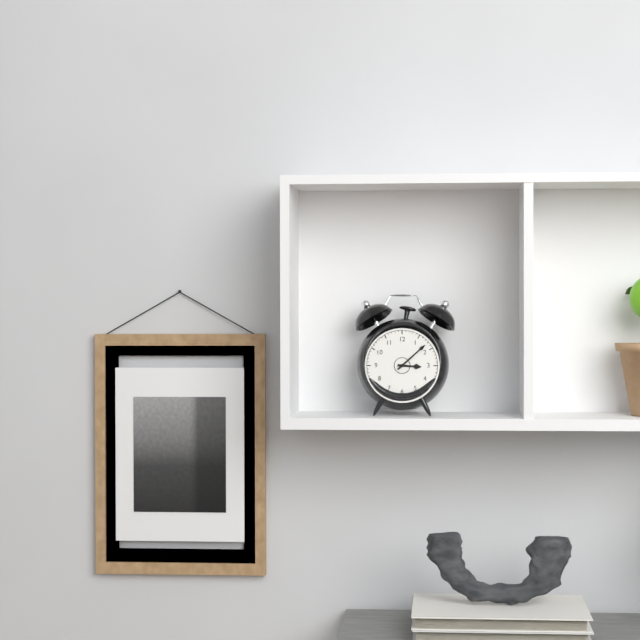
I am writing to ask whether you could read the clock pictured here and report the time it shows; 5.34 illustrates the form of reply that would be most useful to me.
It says 3.08
